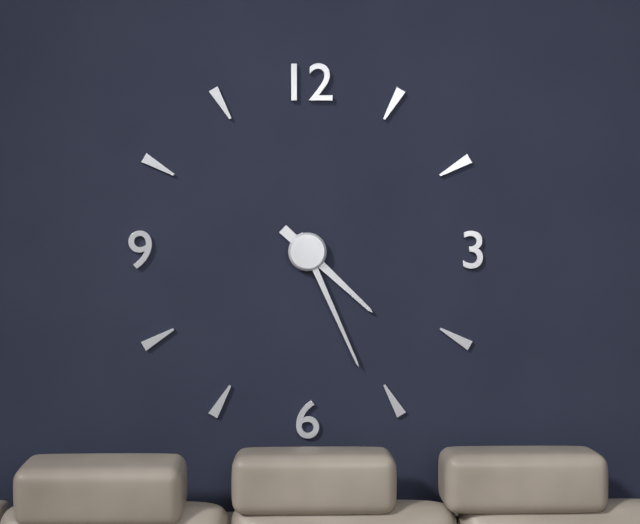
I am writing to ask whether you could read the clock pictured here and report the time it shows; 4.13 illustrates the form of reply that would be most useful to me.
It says 4.26
